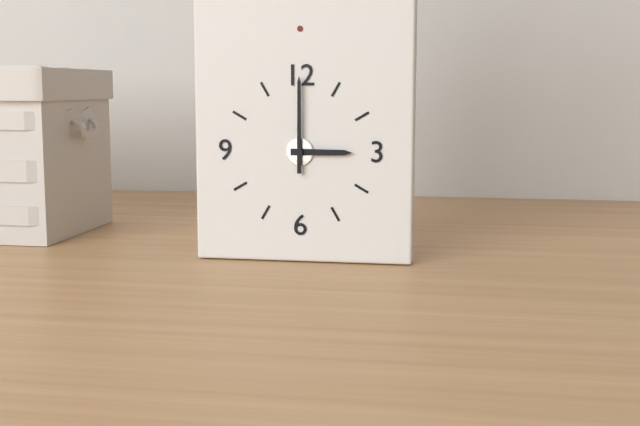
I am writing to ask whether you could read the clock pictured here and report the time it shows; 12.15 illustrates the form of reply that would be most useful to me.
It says 3.00
